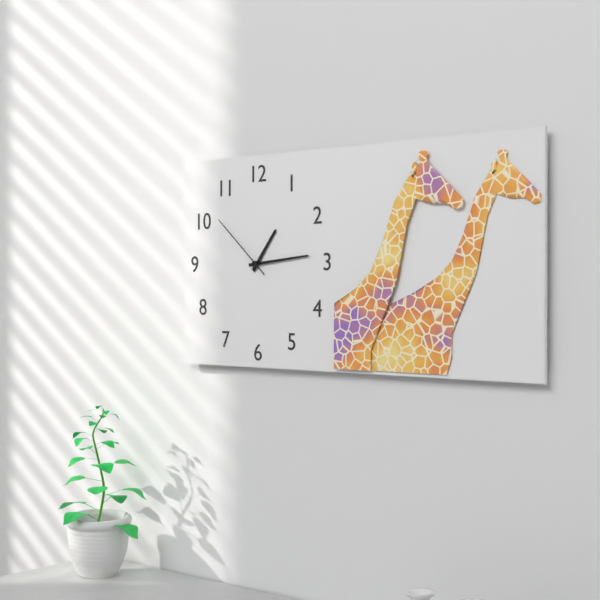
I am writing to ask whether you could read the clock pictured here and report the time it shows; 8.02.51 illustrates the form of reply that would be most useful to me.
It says 1.14.52
